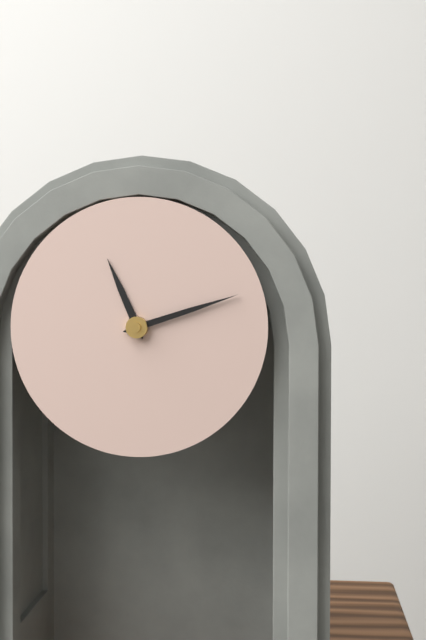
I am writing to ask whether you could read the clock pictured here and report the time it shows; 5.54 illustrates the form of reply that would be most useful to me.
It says 11.12
